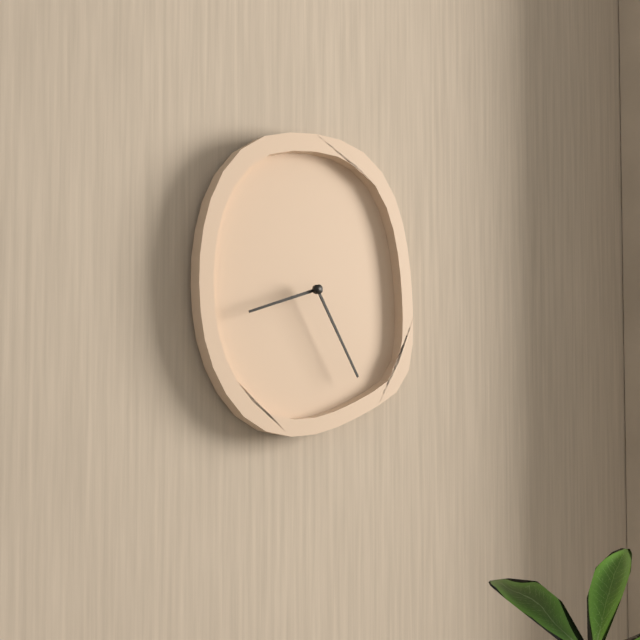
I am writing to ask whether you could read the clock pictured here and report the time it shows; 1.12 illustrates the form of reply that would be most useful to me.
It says 8.25
